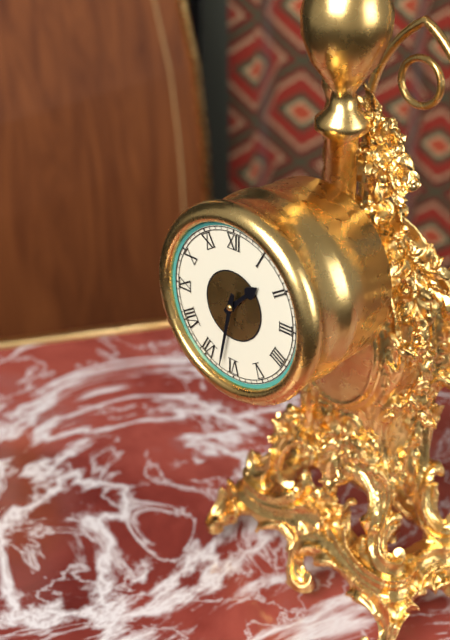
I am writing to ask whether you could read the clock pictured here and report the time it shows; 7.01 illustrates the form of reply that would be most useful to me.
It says 1.32
